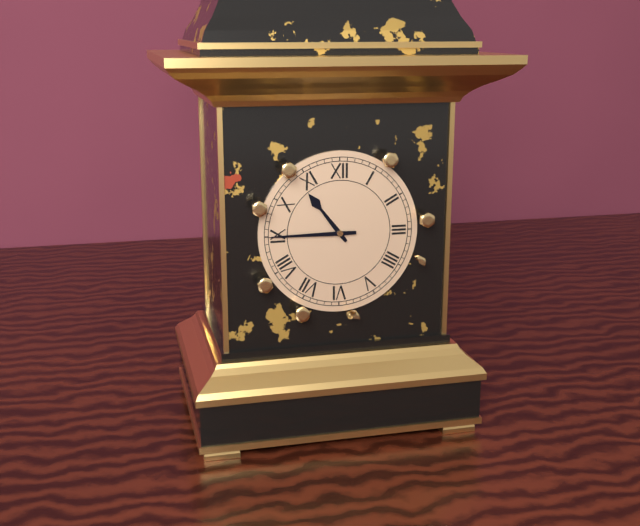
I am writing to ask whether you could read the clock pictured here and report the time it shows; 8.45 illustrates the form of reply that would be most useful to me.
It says 10.45
